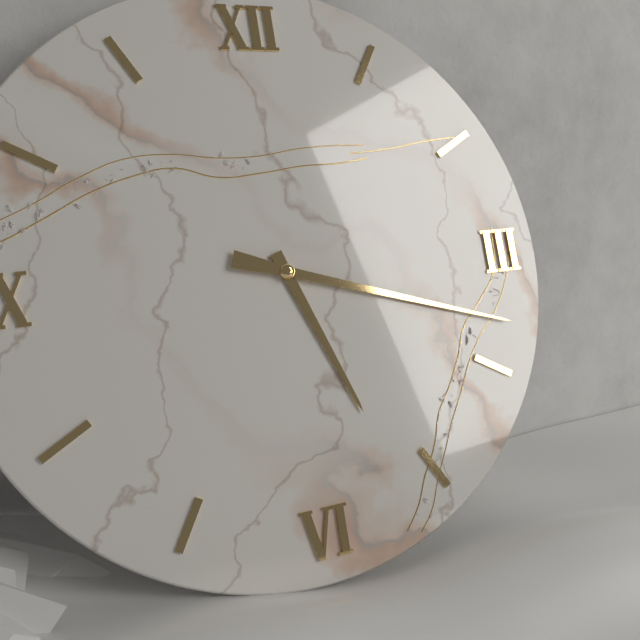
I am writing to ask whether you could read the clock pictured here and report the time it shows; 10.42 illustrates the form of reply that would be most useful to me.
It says 5.18
